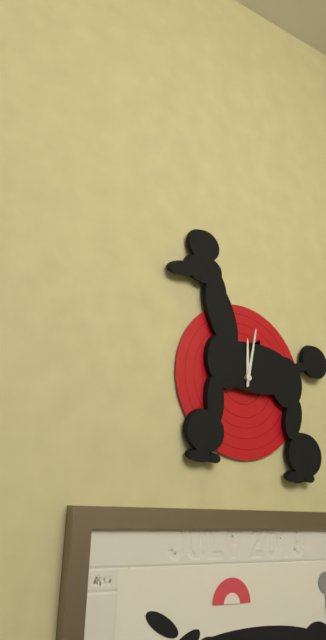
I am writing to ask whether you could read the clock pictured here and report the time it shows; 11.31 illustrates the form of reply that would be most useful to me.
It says 12.02
